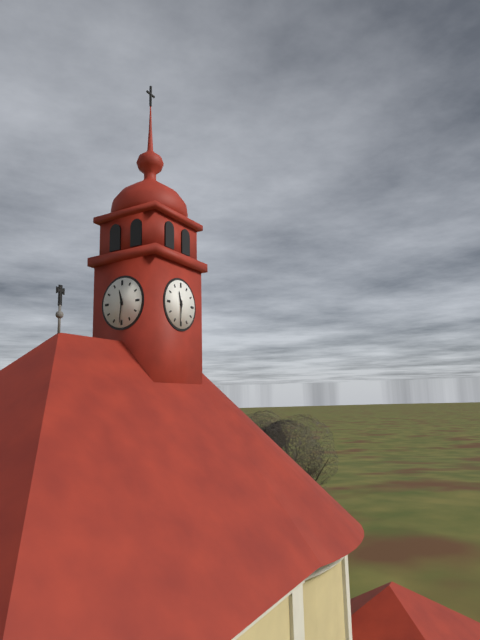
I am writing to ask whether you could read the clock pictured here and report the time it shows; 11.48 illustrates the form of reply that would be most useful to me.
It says 11.31
